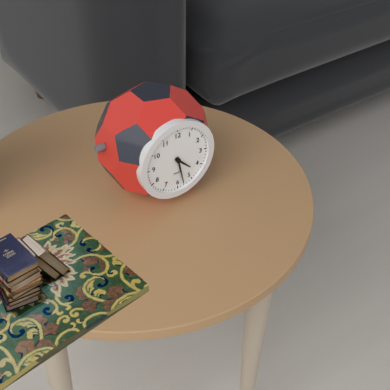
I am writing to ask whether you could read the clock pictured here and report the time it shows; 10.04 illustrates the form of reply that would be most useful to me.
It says 4.28
